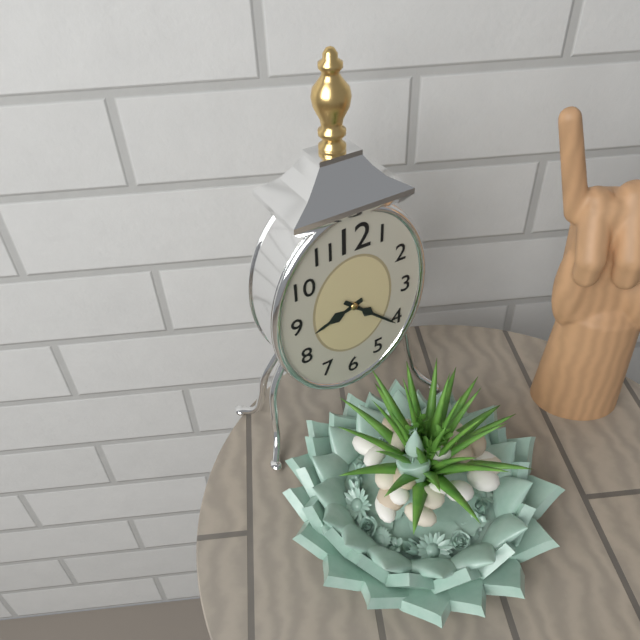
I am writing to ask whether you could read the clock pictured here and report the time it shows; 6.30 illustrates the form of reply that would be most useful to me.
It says 8.22
